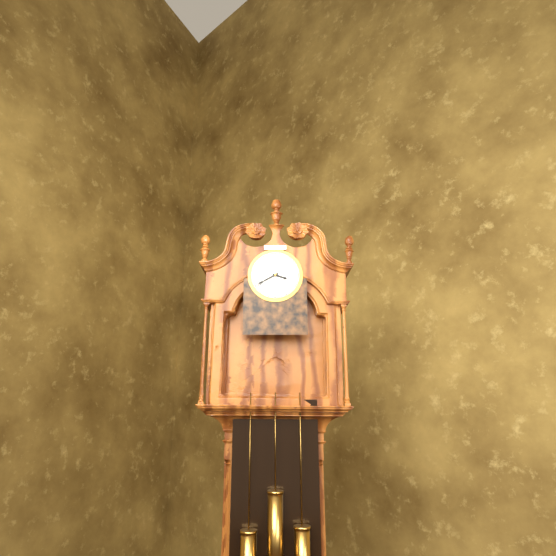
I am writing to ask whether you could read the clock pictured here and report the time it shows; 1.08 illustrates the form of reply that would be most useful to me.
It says 3.40
